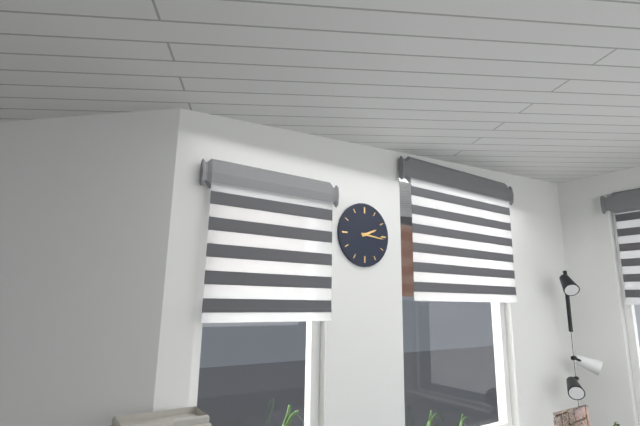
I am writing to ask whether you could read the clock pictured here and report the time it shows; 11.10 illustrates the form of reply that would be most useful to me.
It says 2.16
